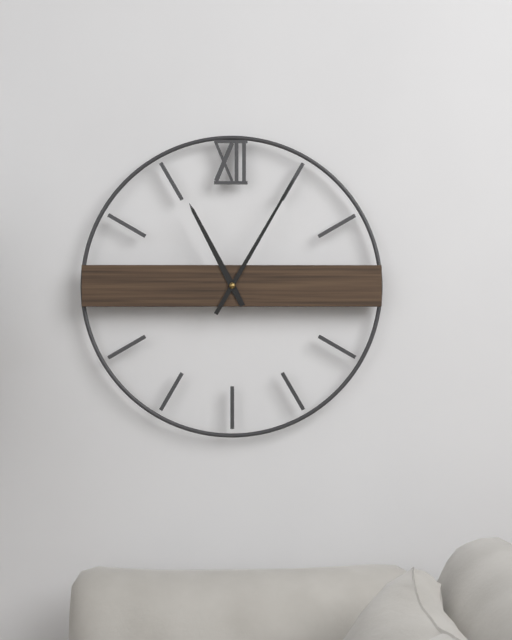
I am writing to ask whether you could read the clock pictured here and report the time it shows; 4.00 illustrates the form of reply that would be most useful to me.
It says 11.05
